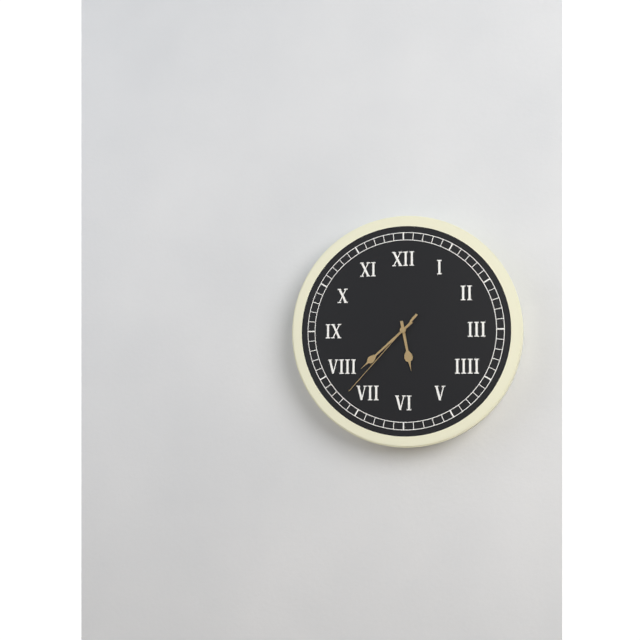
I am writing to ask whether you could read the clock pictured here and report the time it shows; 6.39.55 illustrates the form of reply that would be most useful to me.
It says 5.38.37
